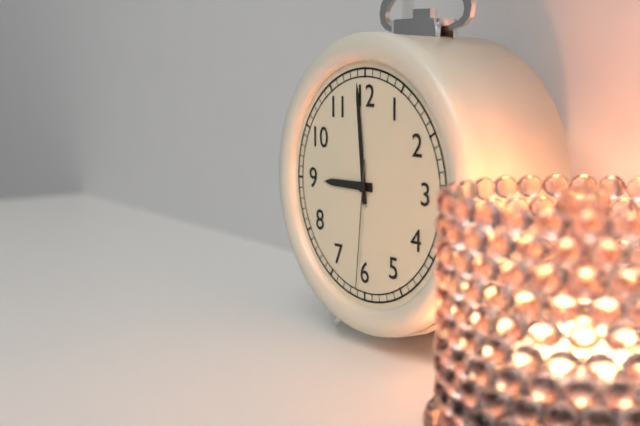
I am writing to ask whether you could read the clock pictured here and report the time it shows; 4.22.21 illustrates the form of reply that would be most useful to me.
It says 8.59.31
